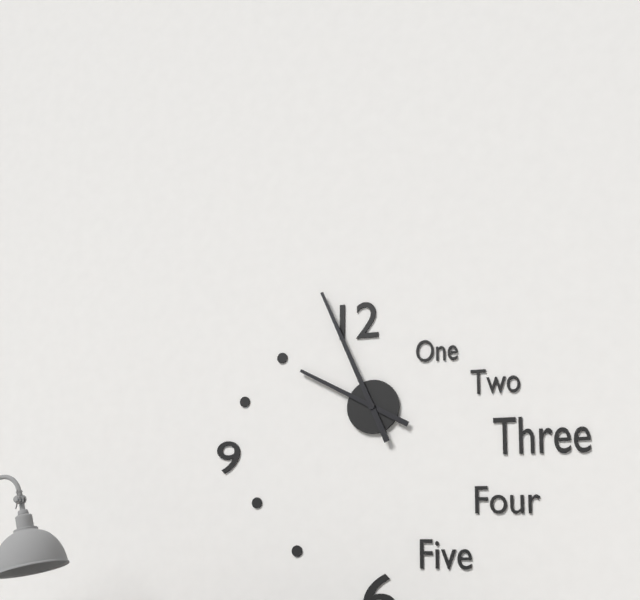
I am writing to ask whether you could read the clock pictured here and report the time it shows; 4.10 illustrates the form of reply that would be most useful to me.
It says 9.56
